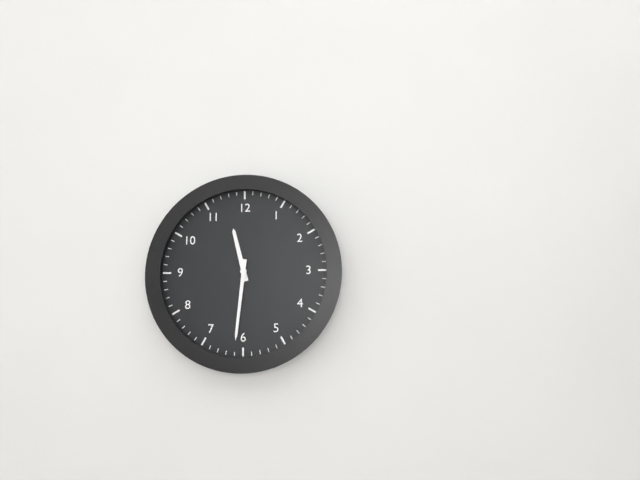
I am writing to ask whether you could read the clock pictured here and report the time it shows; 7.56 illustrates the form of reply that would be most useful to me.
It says 11.31
